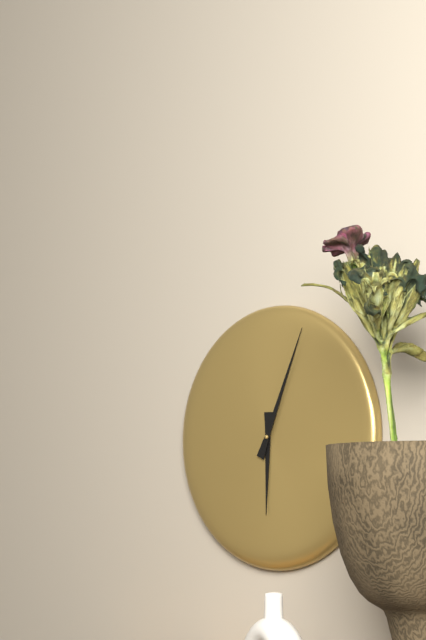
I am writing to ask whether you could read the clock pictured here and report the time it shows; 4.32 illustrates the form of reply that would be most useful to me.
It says 6.04
